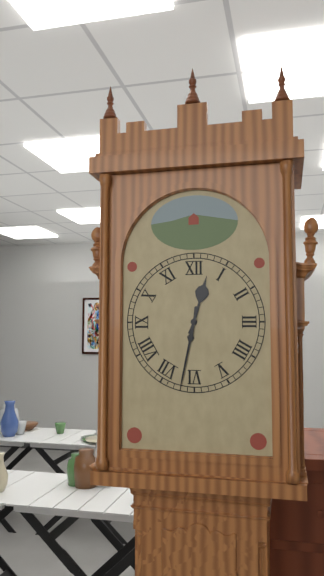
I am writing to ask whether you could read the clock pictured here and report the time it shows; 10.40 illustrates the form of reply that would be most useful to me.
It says 12.32
